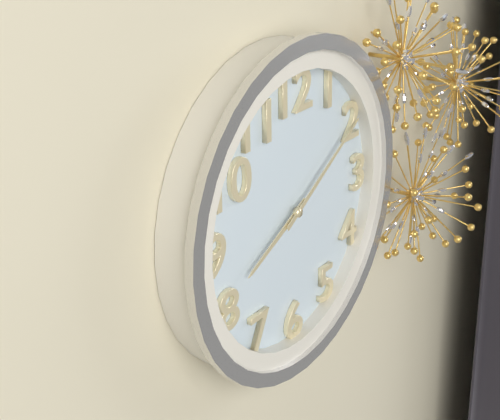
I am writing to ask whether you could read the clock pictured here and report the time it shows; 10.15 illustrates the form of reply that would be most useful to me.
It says 8.10
